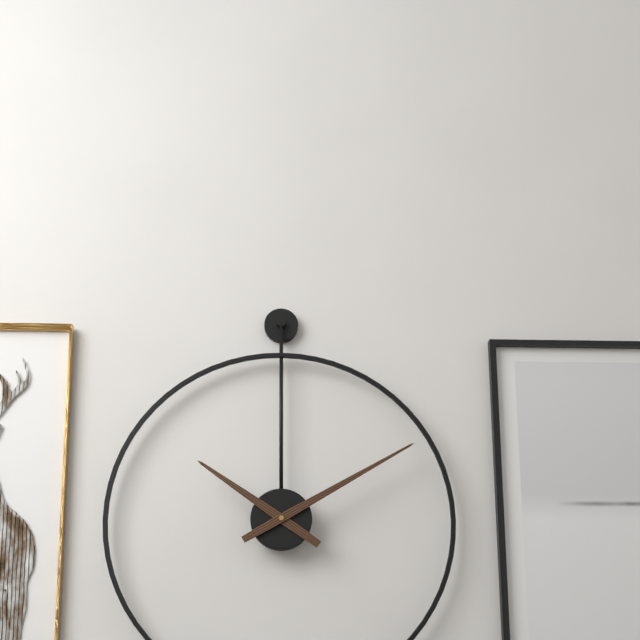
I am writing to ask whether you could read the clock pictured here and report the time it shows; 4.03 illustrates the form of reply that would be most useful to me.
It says 10.10
